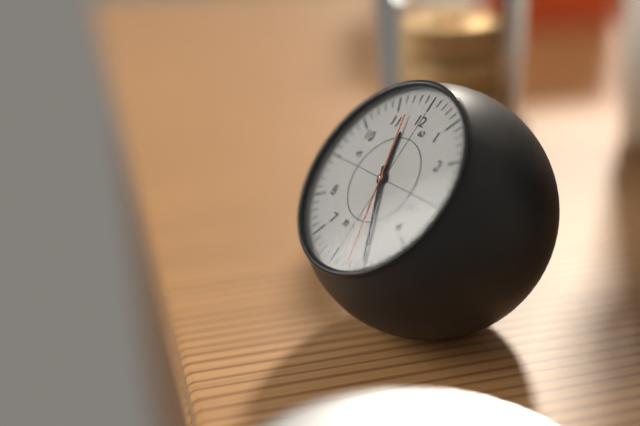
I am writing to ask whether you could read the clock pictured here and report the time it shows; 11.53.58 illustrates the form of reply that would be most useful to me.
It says 11.25.27
